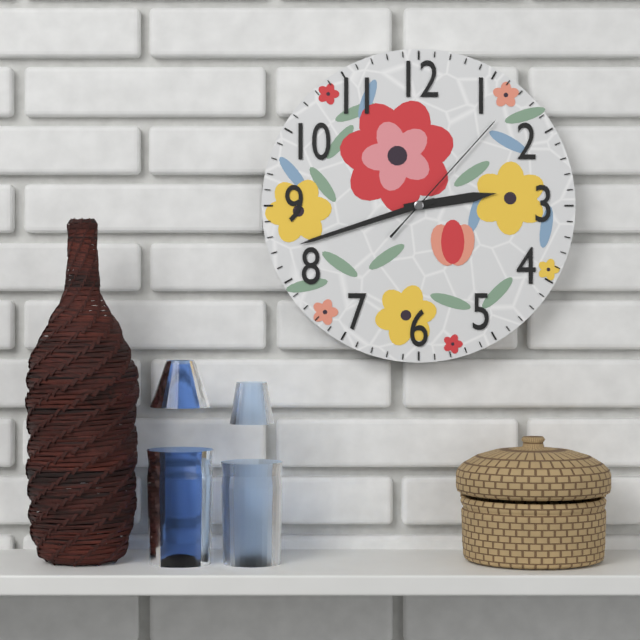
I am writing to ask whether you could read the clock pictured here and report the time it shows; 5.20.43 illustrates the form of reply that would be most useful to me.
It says 2.42.07
